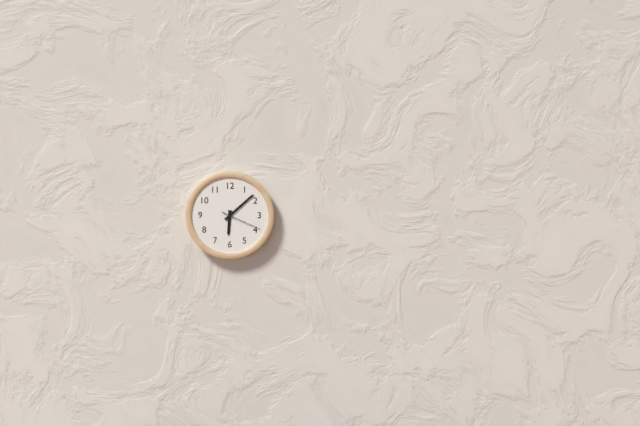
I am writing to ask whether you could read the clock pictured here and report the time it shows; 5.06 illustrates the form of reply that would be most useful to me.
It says 6.08
